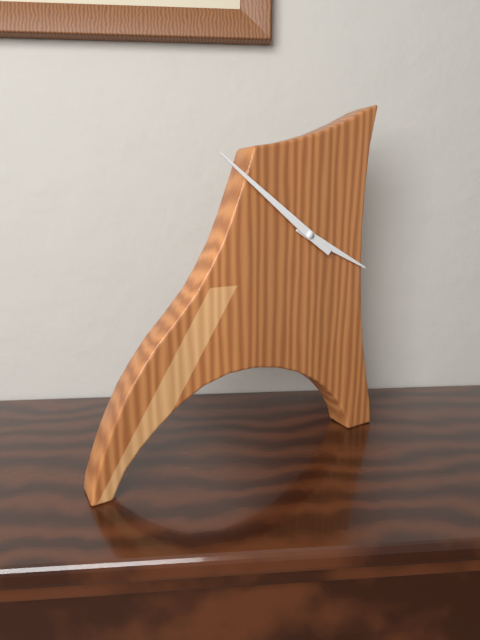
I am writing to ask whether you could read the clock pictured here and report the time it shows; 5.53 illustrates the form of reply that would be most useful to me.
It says 3.51
